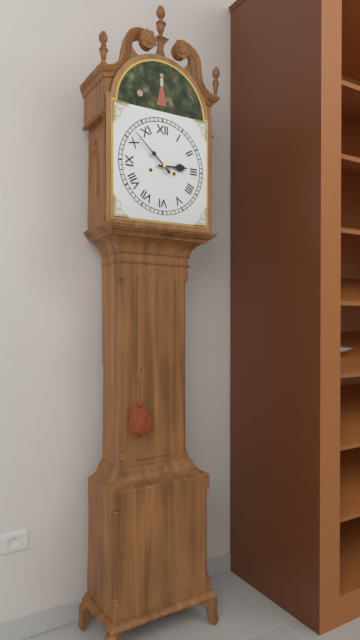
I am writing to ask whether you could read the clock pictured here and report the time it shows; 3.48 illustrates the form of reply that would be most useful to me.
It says 2.52
